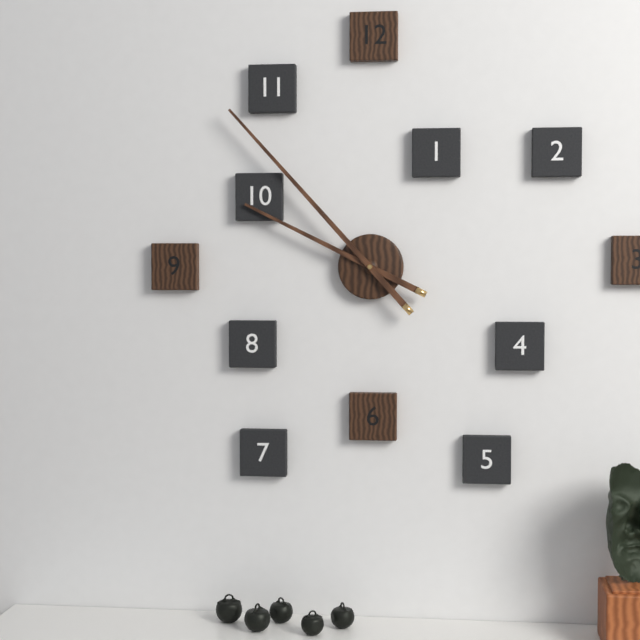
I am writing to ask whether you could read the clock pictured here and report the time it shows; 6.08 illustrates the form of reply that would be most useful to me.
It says 9.53
